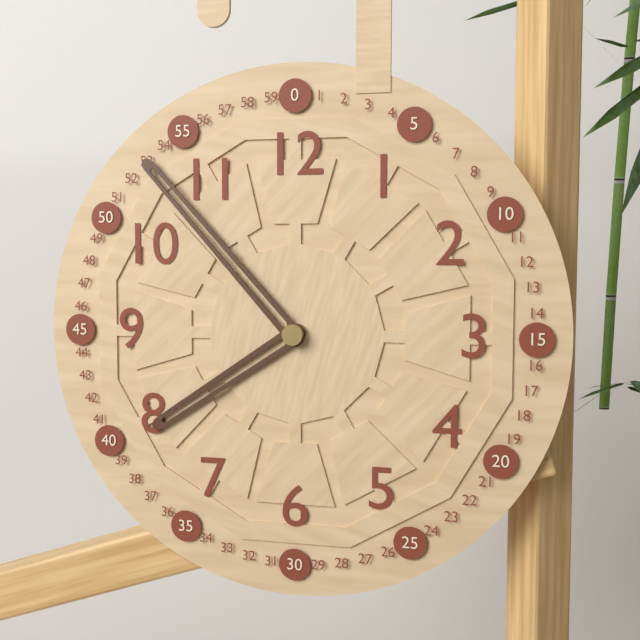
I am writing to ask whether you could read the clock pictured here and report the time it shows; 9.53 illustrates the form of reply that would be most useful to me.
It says 7.53
